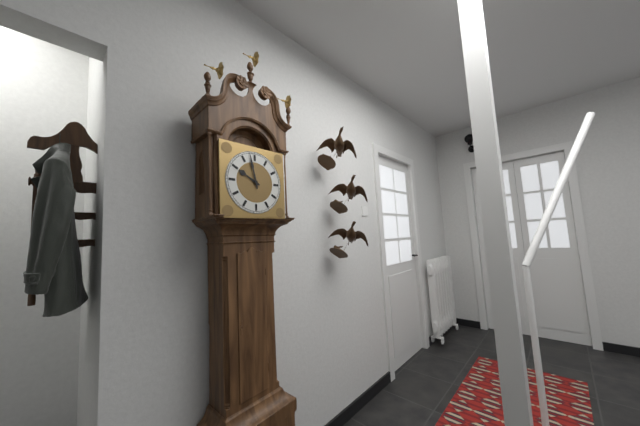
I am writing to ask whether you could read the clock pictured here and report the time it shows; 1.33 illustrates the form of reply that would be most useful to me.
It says 9.58
